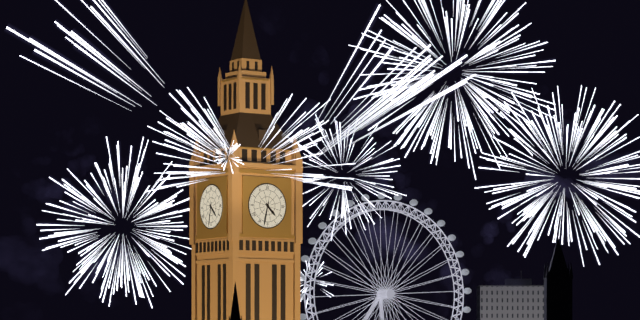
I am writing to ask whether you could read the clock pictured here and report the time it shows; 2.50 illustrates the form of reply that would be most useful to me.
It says 4.32
